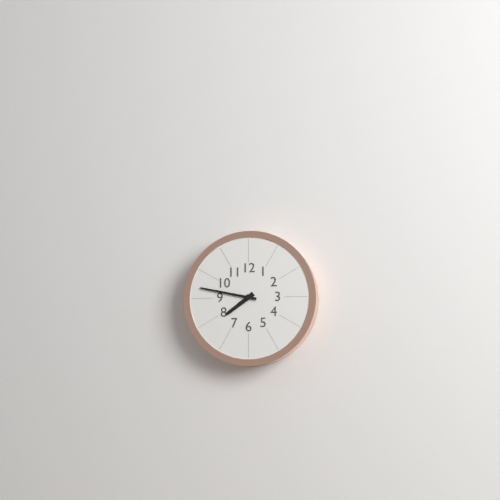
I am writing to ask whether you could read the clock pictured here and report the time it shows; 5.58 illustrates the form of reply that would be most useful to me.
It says 7.47
